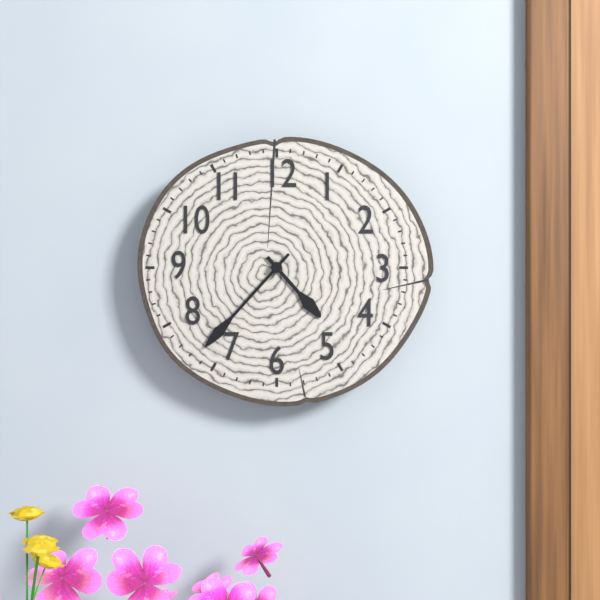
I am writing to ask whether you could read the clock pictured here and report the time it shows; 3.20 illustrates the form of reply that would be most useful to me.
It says 4.37
